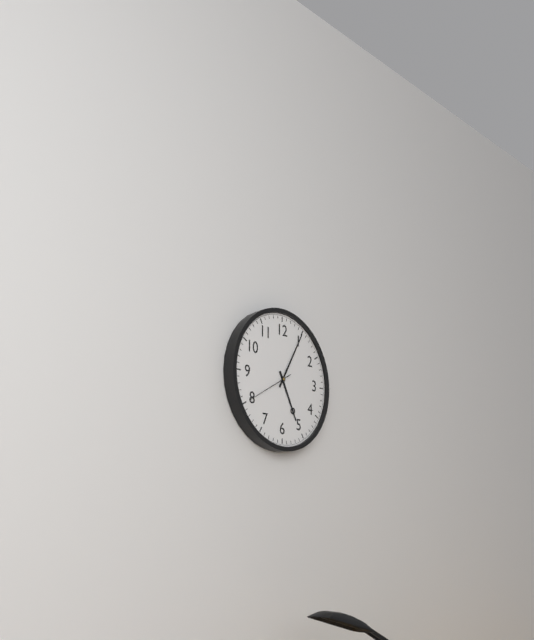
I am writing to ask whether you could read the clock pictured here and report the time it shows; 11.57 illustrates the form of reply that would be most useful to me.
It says 5.05
